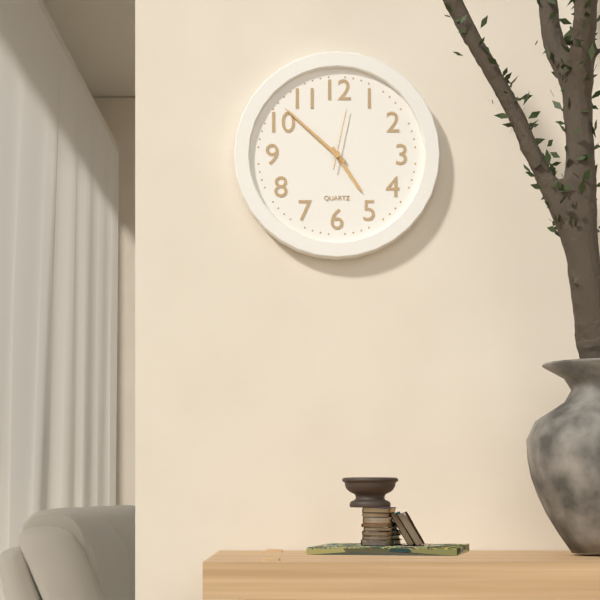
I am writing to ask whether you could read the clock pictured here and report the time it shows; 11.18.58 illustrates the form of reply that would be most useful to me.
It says 4.52.02
